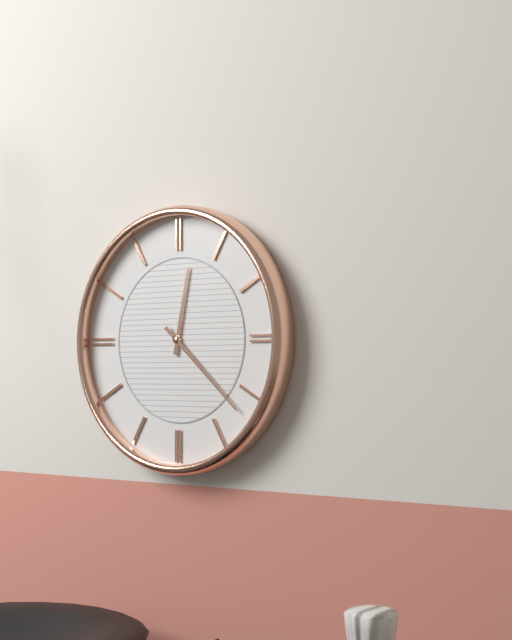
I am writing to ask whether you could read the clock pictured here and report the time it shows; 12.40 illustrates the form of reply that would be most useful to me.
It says 12.22
